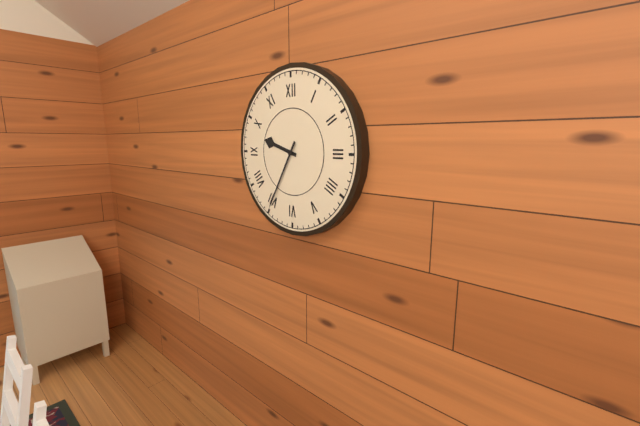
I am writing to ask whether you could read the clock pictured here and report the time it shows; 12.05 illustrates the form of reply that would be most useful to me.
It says 9.35
